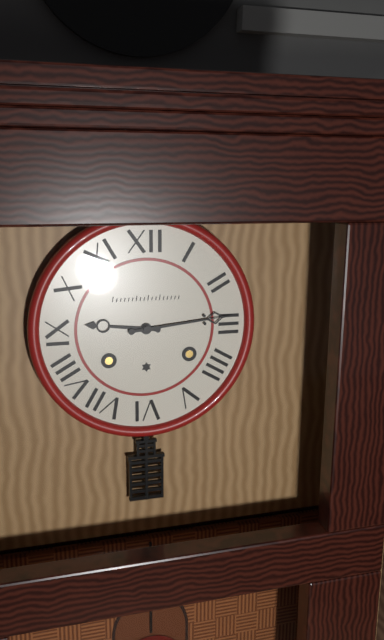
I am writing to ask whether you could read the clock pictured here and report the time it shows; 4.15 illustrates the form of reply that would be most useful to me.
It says 9.14
